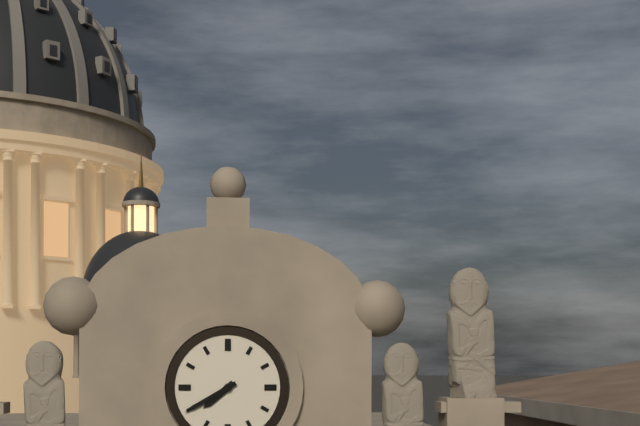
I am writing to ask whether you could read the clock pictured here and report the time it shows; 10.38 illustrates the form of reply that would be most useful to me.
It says 7.40
